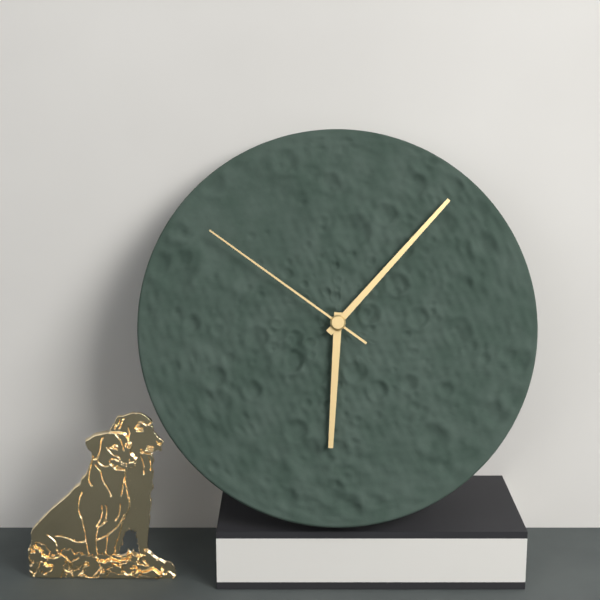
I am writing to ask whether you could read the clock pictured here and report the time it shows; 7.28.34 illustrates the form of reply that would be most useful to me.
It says 6.07.51
